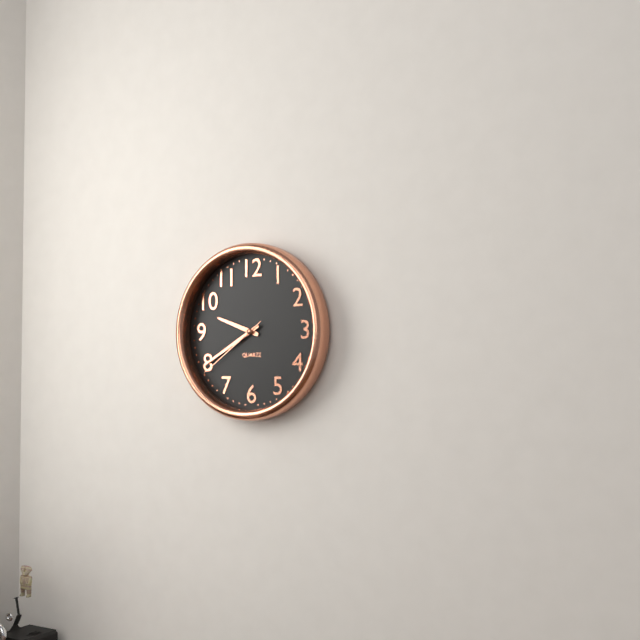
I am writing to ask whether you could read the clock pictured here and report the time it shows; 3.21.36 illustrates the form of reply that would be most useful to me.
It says 9.40.39
